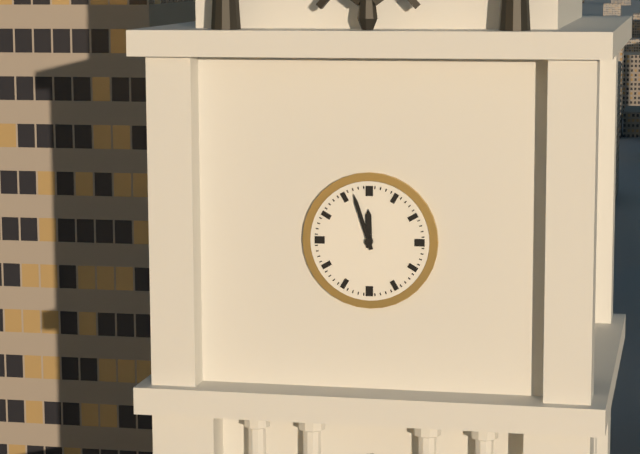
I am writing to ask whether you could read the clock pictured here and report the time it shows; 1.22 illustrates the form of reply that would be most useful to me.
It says 11.57
